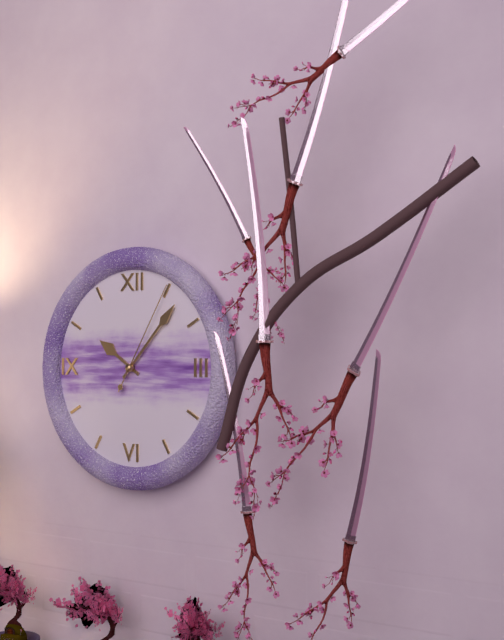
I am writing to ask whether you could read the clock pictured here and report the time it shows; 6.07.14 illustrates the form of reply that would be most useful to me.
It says 10.07.05
